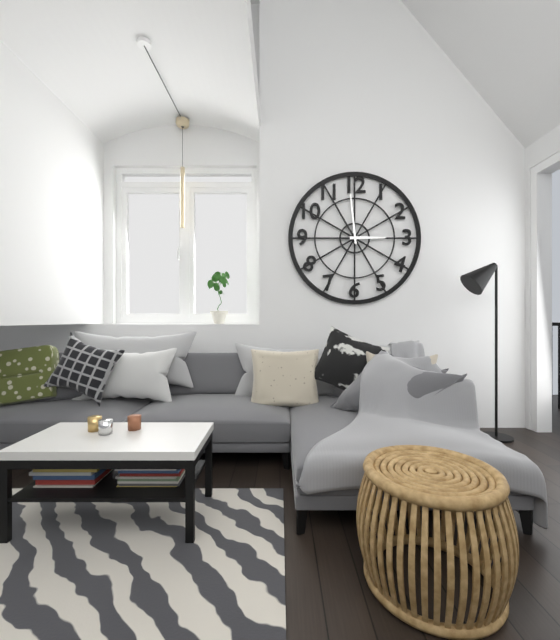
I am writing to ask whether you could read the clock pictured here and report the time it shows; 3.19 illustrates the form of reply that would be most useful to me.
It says 2.59
